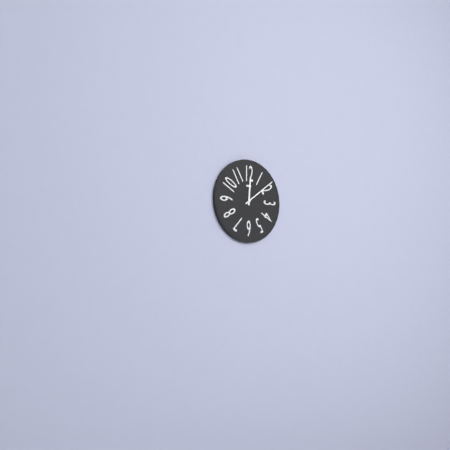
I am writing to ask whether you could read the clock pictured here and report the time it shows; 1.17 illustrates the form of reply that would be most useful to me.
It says 12.09
